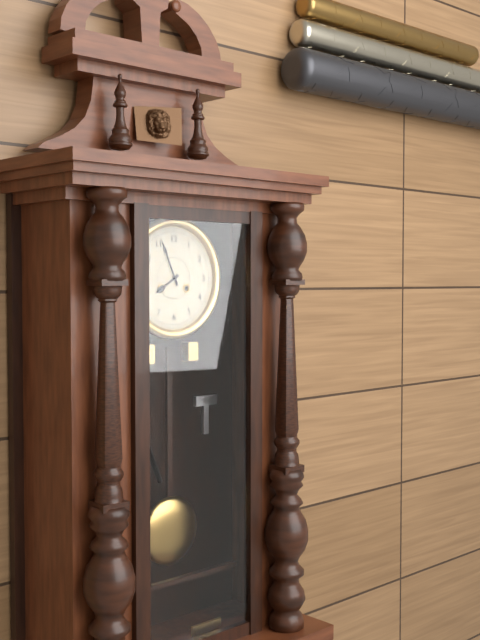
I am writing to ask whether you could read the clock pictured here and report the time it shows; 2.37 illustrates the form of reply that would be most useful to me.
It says 7.56
